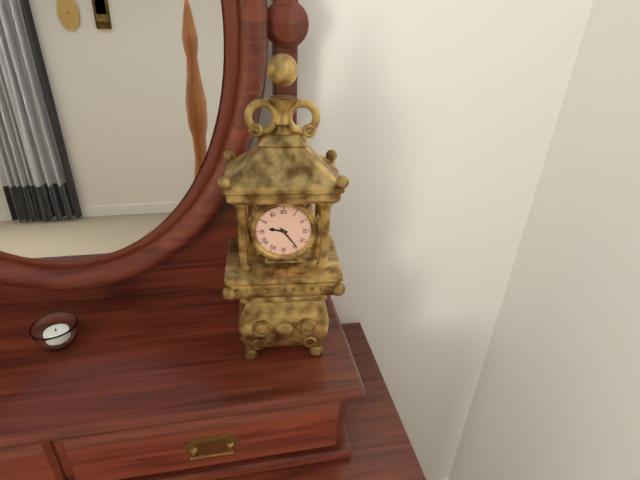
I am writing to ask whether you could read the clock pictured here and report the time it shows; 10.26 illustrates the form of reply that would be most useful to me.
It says 9.24
